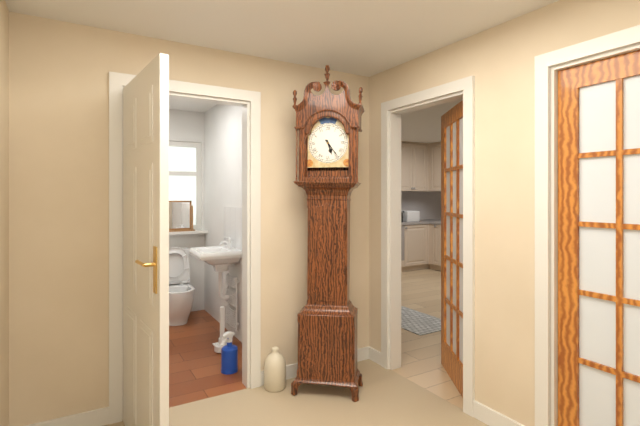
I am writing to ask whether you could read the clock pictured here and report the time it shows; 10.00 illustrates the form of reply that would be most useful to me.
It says 5.24
